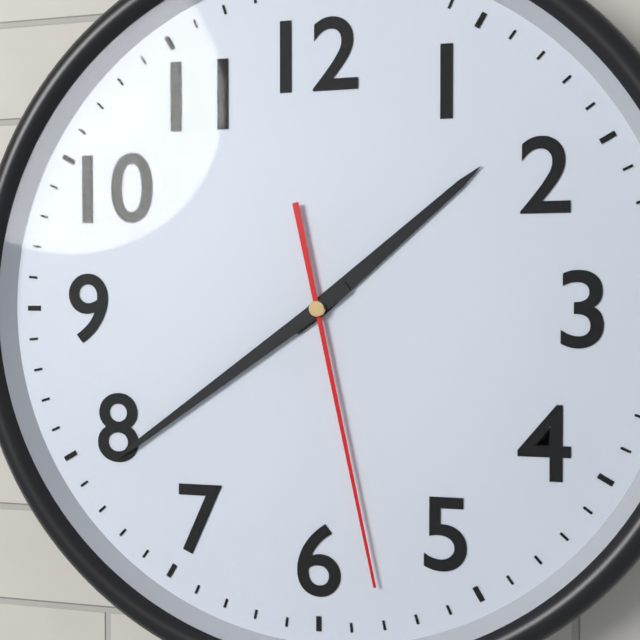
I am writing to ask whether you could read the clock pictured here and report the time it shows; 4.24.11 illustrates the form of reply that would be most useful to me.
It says 1.39.28
